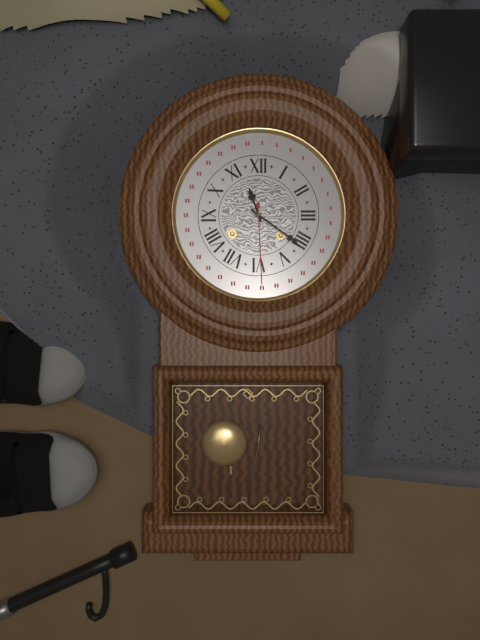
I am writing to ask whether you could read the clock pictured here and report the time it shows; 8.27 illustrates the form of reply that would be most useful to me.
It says 11.21
